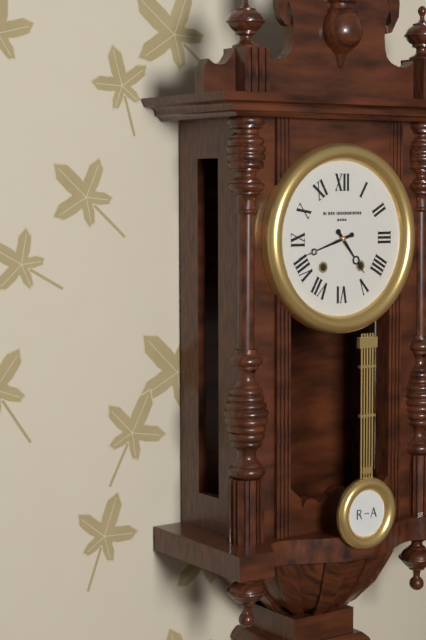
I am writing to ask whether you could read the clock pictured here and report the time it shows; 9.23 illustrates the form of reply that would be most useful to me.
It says 4.42
